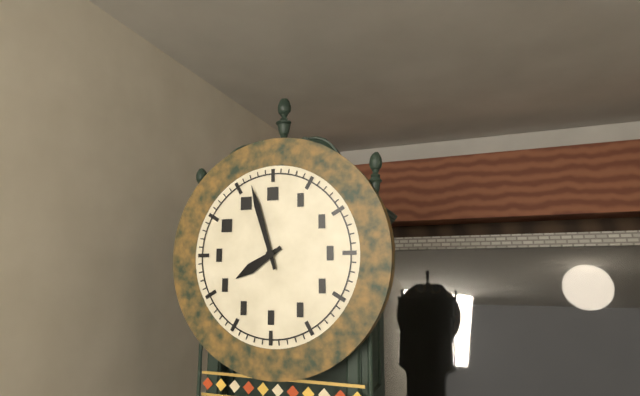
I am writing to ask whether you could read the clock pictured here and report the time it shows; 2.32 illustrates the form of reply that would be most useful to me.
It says 7.57
